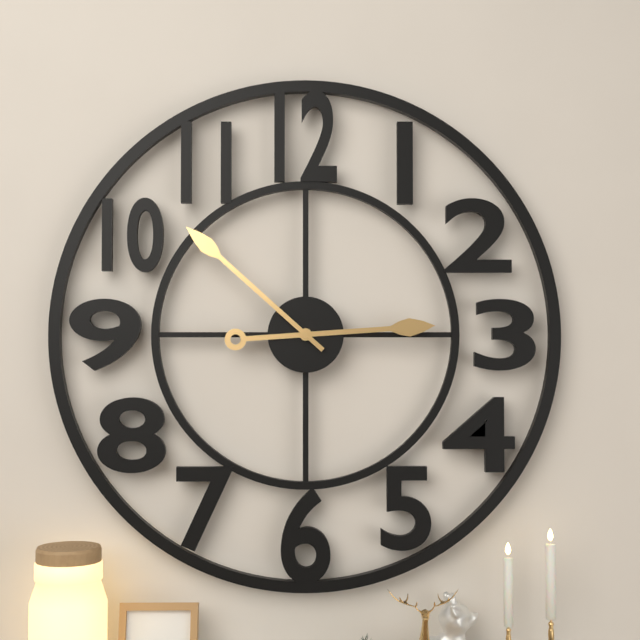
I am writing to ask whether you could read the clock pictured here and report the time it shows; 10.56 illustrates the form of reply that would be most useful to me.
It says 2.52
